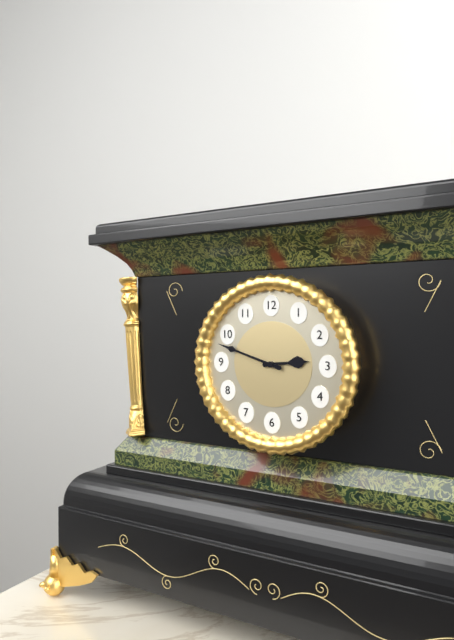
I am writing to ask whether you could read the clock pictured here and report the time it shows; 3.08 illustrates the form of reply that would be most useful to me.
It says 2.48
